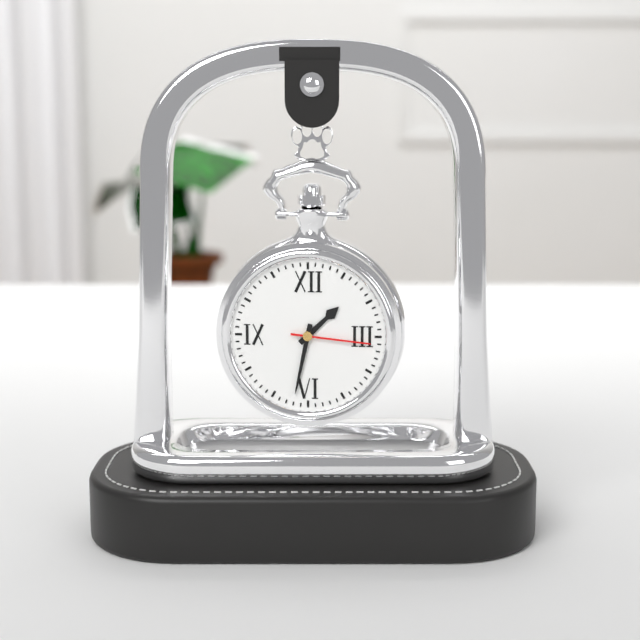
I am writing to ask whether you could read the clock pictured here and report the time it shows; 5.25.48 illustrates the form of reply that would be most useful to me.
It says 1.32.16
